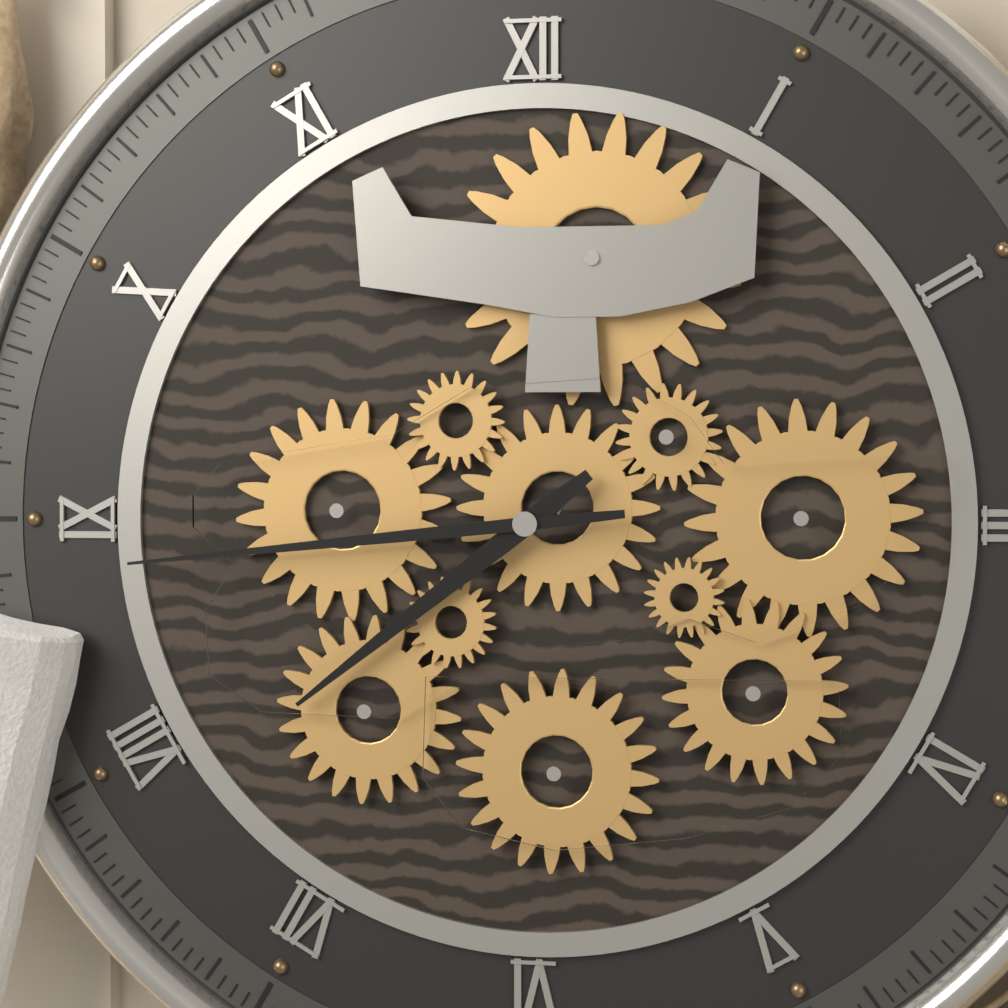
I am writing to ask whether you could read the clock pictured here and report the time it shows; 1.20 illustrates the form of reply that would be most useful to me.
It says 7.44
